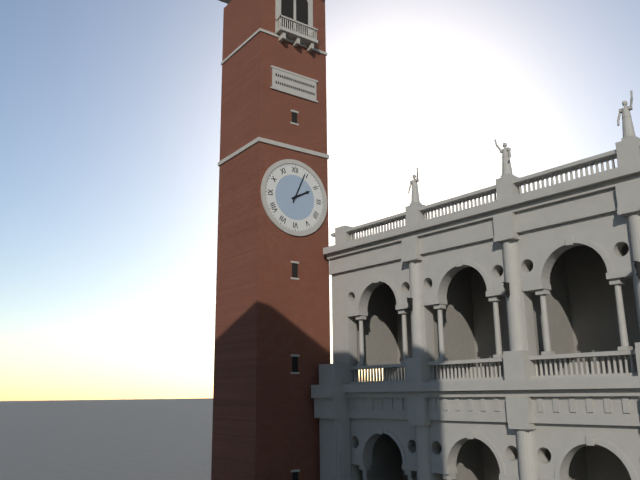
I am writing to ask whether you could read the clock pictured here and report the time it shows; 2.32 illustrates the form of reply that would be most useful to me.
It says 2.04
